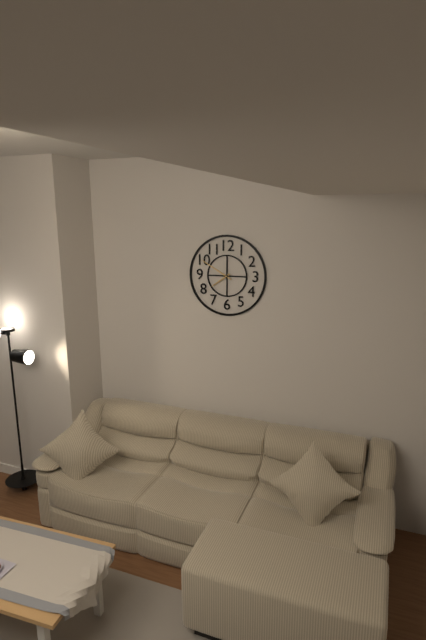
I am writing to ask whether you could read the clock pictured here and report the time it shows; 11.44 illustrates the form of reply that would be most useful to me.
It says 7.50
